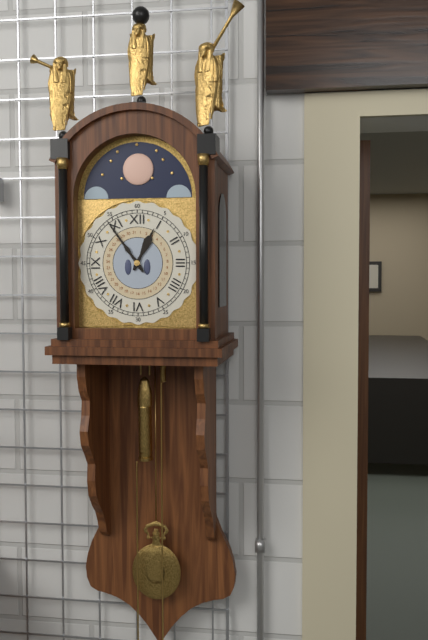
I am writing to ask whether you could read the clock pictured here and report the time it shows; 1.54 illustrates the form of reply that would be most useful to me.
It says 12.54
